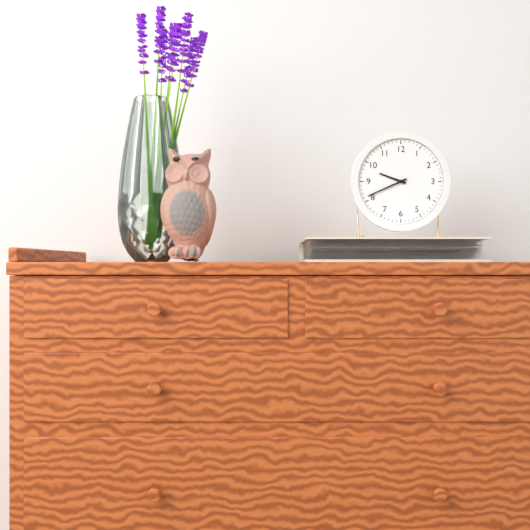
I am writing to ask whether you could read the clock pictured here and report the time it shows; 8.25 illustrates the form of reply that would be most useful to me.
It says 9.41
